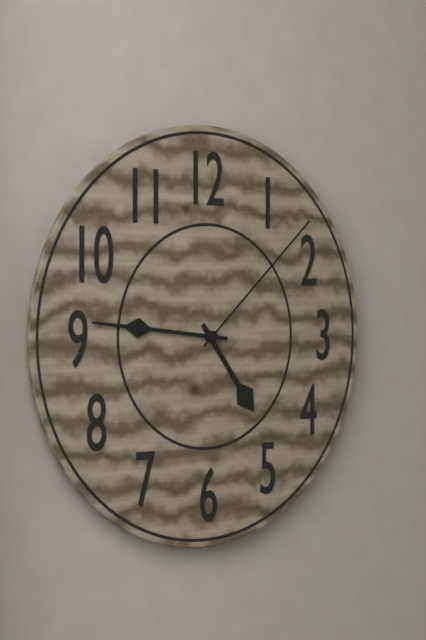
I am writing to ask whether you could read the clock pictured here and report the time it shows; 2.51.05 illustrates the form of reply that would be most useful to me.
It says 4.46.08
